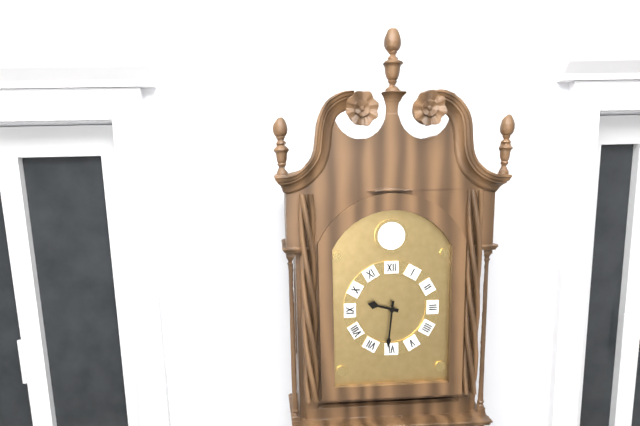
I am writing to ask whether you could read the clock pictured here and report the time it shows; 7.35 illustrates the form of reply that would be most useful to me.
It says 9.31
